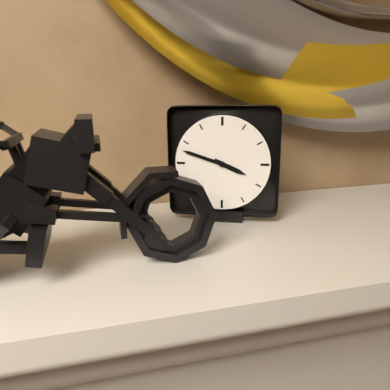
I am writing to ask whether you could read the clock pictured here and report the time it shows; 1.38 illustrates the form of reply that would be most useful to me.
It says 3.48
